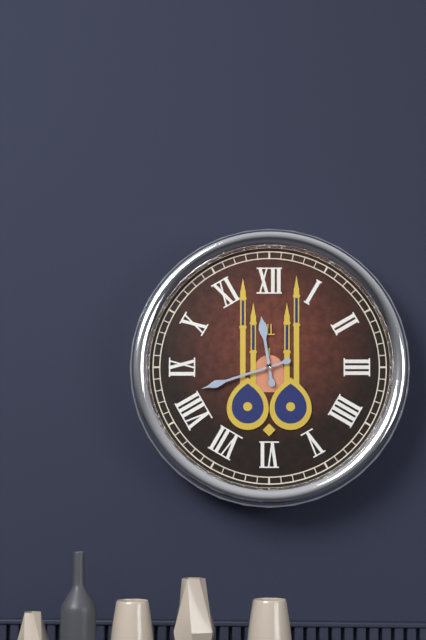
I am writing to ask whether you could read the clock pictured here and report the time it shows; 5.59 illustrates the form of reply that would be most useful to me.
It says 11.42
